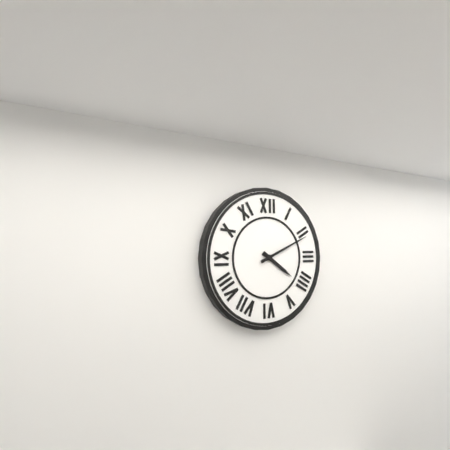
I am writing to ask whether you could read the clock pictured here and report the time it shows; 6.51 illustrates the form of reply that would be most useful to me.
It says 4.11
